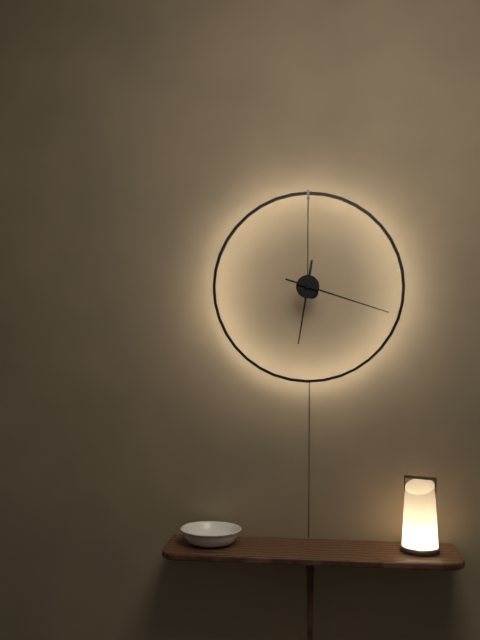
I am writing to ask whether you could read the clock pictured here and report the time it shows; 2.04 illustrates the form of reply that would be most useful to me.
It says 6.18
